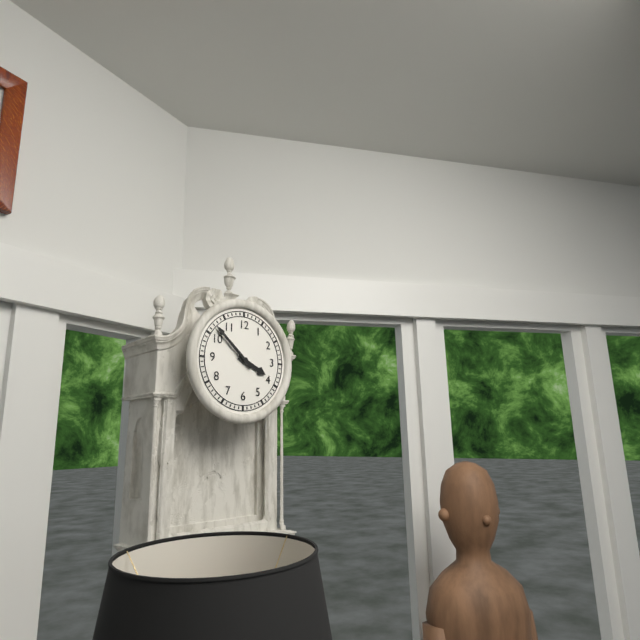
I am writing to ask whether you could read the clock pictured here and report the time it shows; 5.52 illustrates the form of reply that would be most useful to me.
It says 3.52
